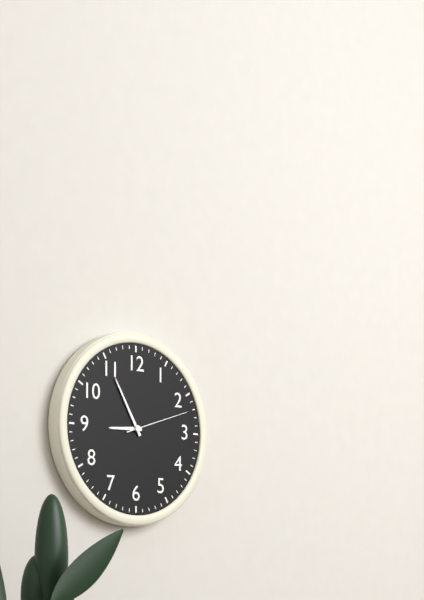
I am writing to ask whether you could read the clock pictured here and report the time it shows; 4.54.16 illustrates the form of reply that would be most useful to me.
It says 8.55.12
